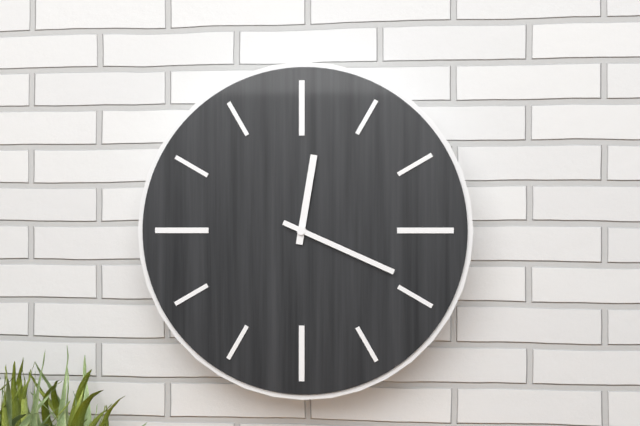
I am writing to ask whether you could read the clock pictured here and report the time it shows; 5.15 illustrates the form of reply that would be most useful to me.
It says 12.19
